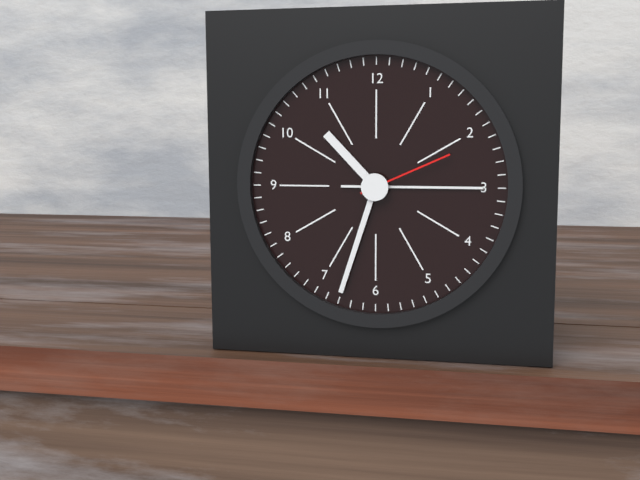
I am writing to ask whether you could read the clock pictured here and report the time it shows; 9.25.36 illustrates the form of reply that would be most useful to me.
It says 10.33.11
